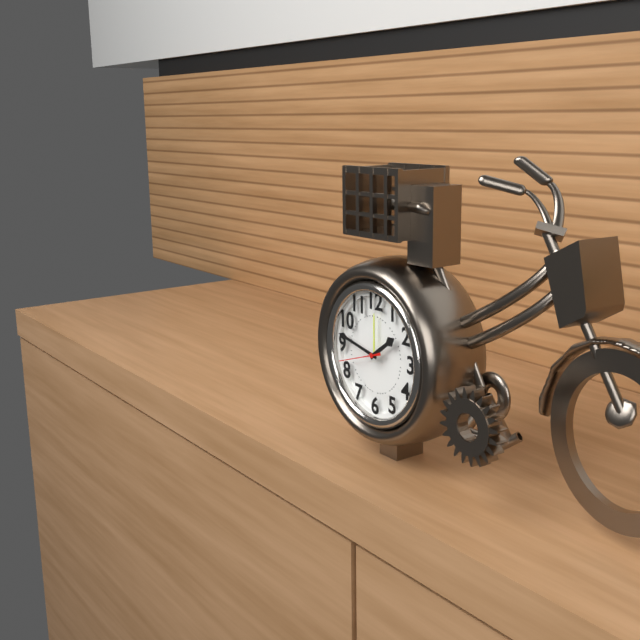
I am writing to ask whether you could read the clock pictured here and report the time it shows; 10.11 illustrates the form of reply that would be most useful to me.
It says 1.47
